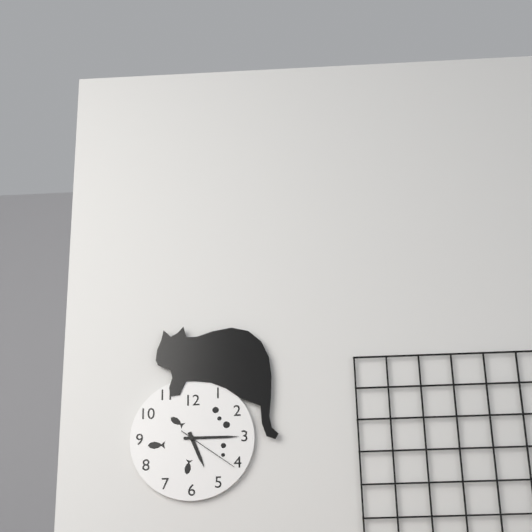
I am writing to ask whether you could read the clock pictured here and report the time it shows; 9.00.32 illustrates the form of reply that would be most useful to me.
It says 5.15.21
